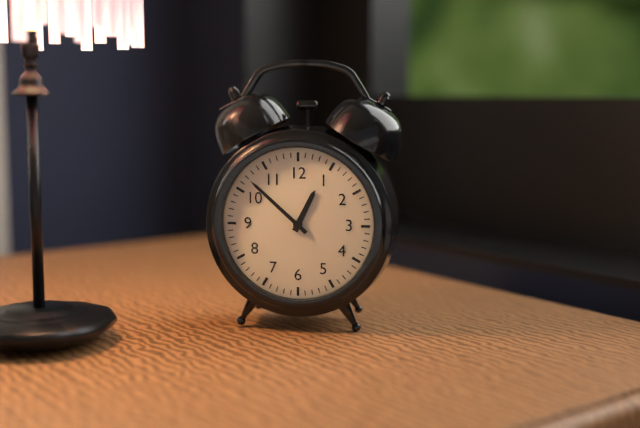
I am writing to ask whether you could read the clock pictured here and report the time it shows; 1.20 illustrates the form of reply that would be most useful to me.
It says 12.52
